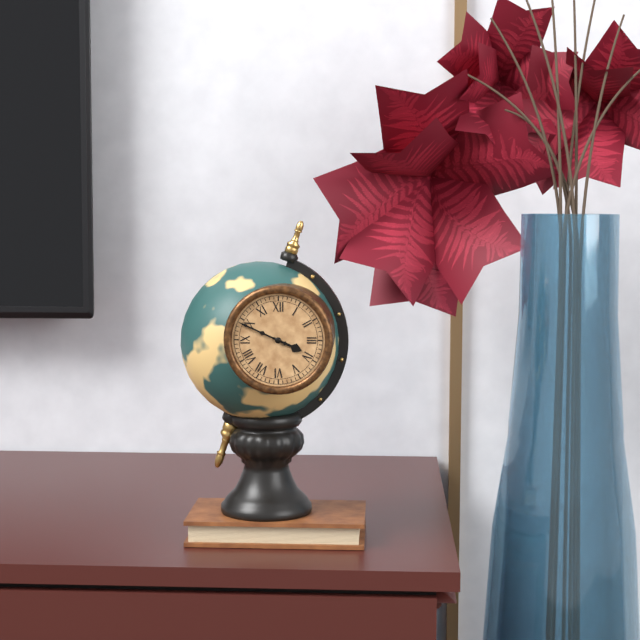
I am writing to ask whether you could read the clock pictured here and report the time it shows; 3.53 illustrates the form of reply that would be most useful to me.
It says 3.49
